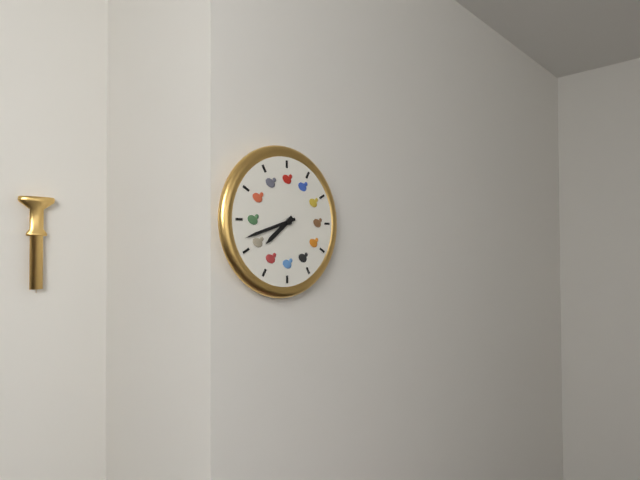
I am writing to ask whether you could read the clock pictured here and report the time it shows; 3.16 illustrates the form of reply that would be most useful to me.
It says 7.42
